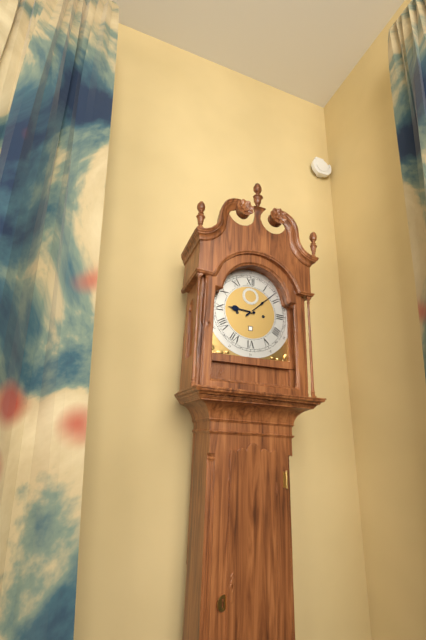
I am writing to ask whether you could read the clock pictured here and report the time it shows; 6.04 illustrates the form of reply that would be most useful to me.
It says 9.08
